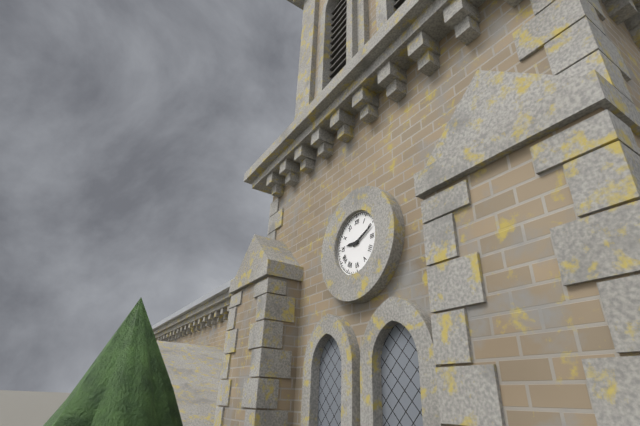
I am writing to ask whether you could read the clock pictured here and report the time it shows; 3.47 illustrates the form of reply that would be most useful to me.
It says 9.11
